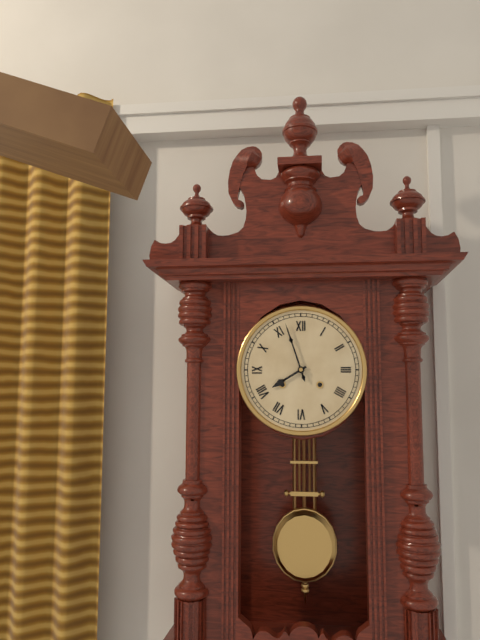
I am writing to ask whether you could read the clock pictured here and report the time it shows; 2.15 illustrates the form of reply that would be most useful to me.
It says 7.57
